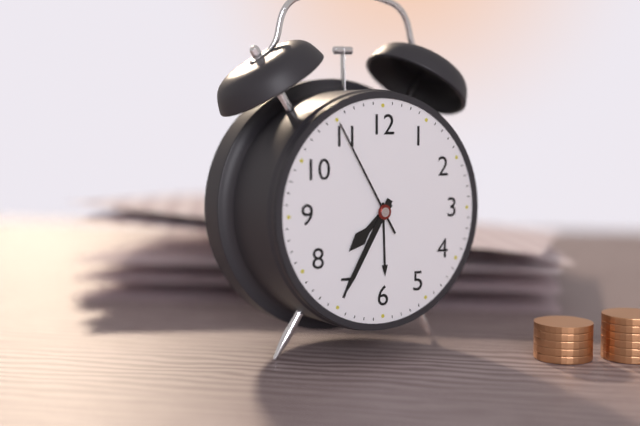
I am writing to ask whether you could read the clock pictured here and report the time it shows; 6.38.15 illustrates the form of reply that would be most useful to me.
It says 7.35.55
